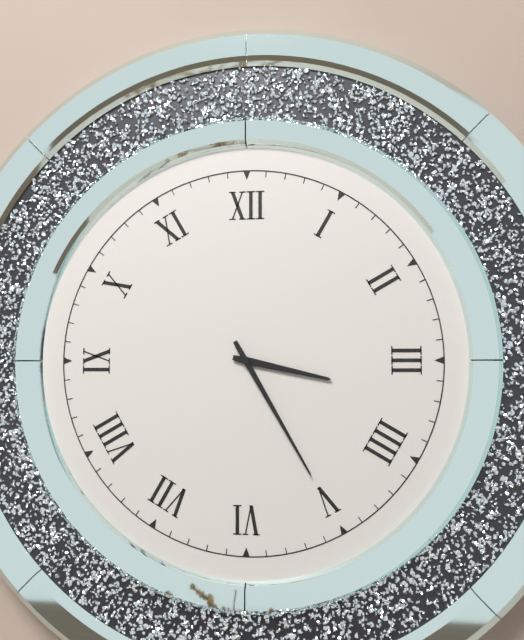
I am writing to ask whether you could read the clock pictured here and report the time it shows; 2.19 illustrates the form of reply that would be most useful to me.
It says 3.25
